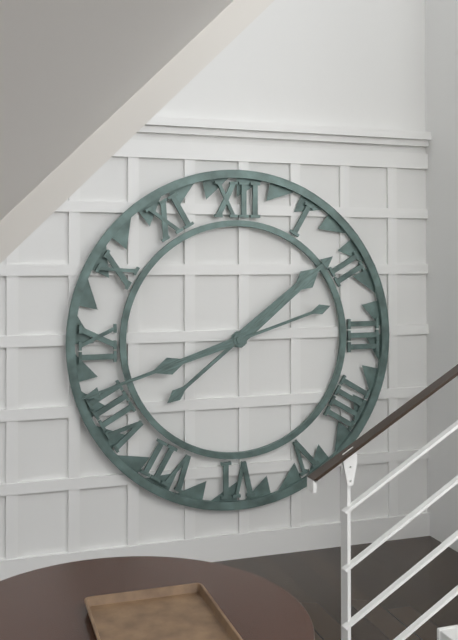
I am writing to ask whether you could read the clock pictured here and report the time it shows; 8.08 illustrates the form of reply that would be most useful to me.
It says 1.42
